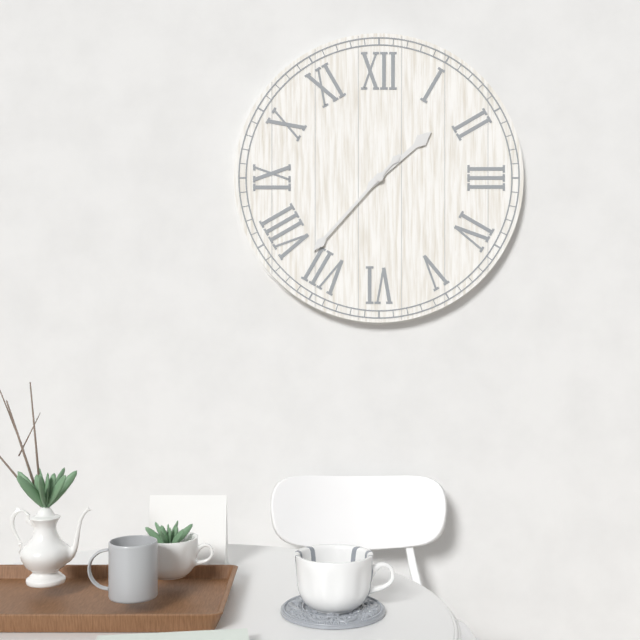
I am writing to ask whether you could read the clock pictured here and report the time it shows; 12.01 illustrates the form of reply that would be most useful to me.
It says 1.37
